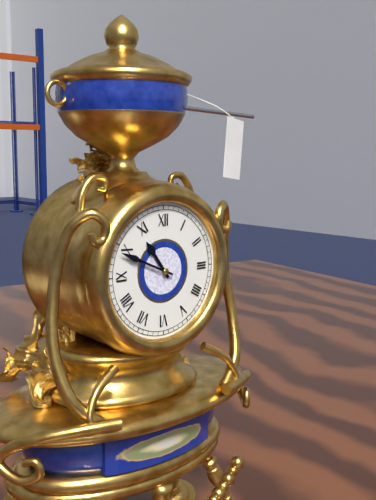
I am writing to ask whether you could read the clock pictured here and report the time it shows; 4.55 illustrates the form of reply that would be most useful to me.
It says 10.49
